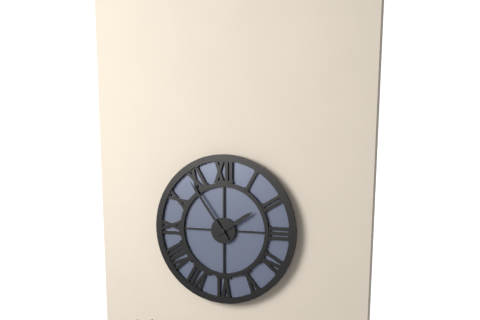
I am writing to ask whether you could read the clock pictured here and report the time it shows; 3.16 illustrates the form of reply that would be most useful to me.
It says 1.54
